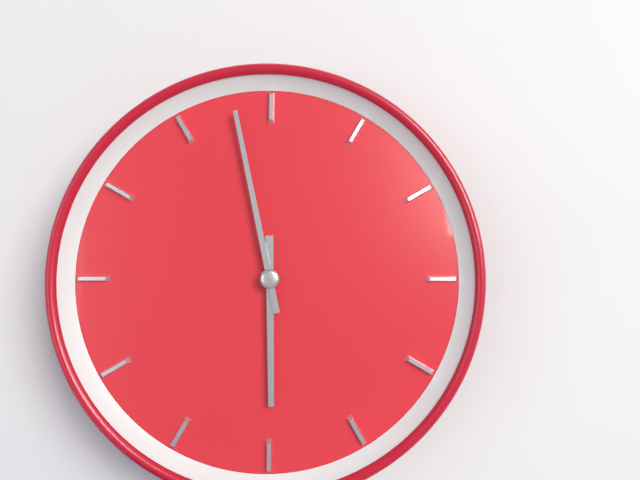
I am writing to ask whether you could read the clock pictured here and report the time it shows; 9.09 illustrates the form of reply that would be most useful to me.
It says 5.58
